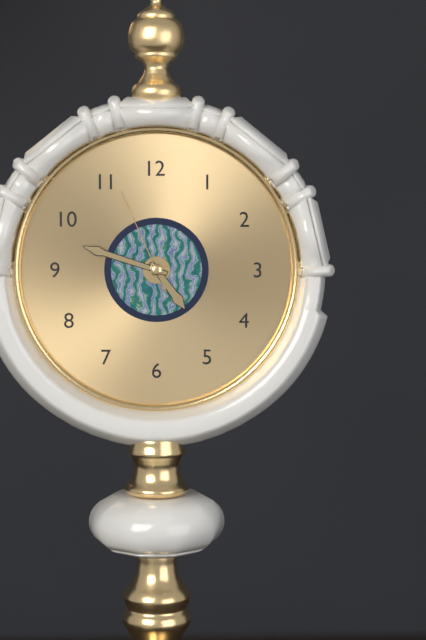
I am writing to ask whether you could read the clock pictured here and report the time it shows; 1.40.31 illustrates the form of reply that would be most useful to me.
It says 4.48.56
